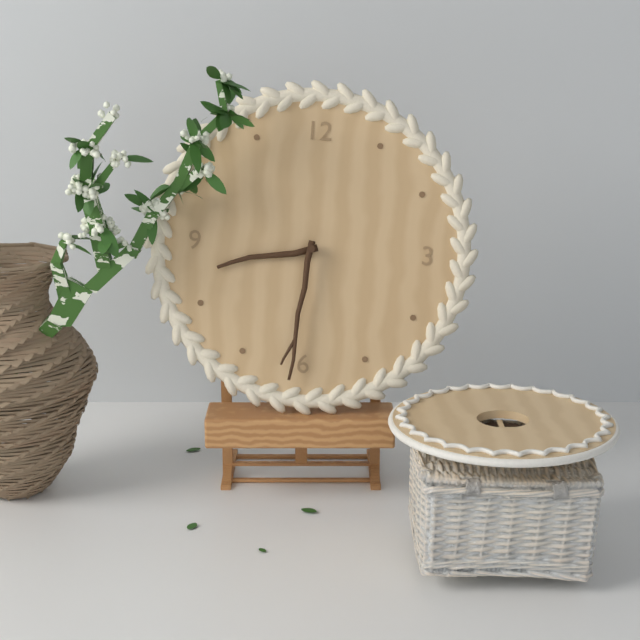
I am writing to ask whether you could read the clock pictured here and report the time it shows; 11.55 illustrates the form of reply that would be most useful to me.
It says 8.31
